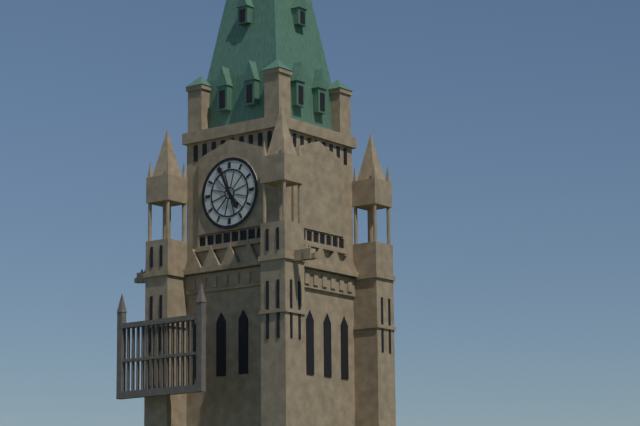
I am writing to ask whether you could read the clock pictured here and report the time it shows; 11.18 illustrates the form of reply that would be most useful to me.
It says 4.56
